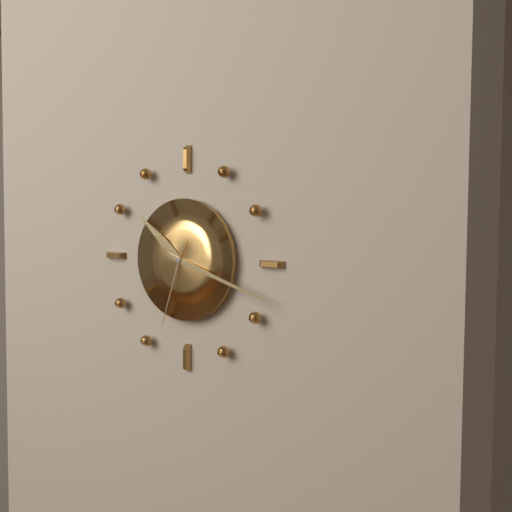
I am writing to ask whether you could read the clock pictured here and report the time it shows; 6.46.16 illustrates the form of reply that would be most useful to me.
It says 10.18.33
